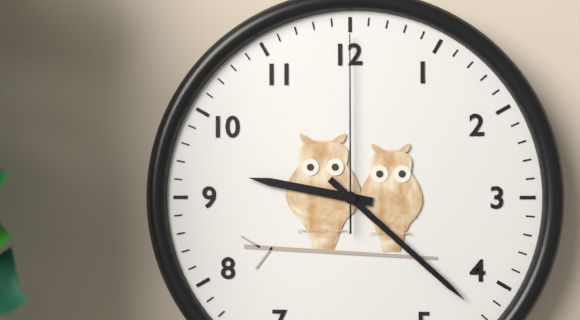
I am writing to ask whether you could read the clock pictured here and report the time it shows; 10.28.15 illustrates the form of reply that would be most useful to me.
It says 9.22.00
